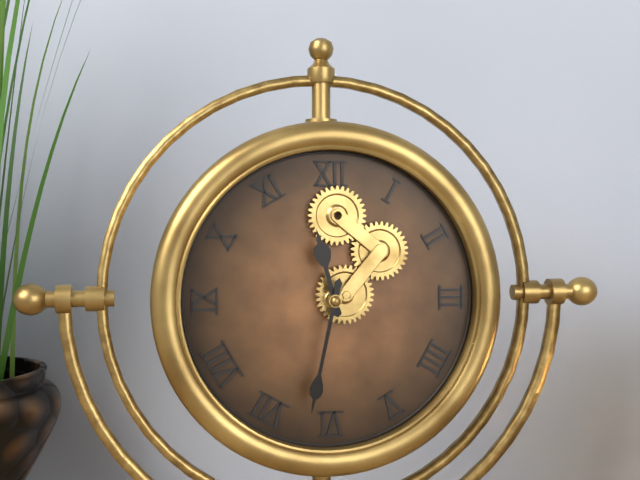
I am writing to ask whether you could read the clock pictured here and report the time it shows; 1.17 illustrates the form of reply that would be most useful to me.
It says 11.32
